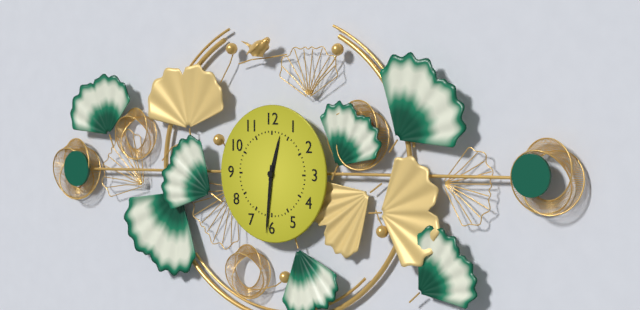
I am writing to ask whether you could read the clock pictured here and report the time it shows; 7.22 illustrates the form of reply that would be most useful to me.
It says 12.31
